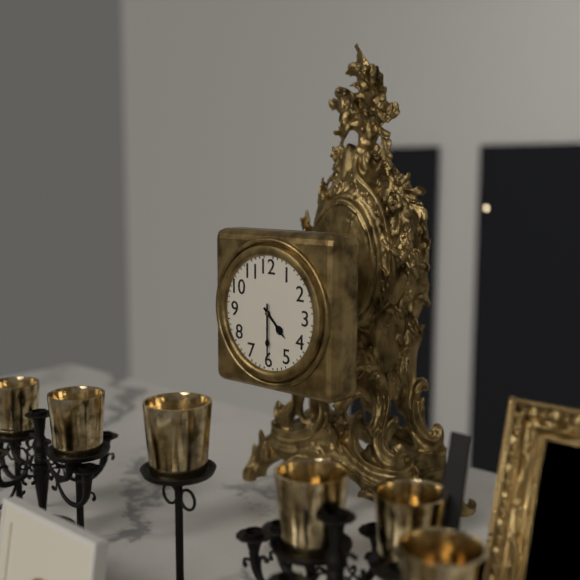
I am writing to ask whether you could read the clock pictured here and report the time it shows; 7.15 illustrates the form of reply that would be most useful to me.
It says 4.30
